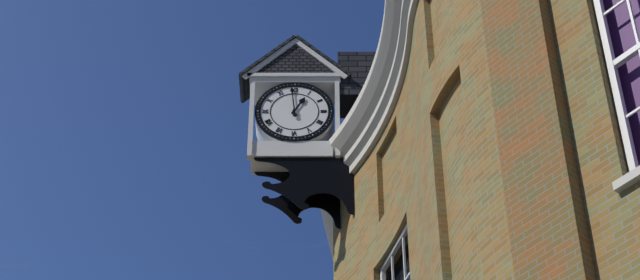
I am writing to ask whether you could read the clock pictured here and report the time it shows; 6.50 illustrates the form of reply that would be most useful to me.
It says 12.59
